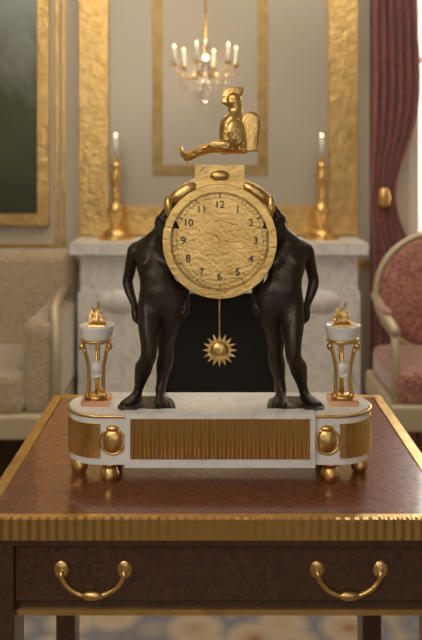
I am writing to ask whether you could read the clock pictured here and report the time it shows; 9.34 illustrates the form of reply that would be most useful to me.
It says 3.21
